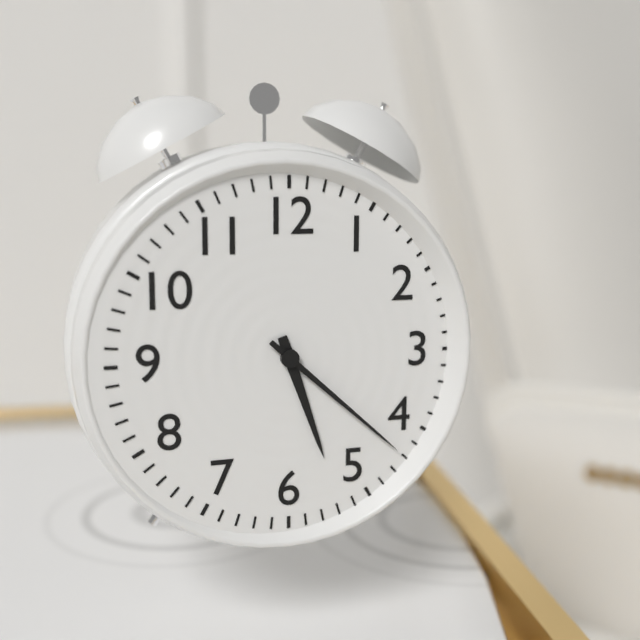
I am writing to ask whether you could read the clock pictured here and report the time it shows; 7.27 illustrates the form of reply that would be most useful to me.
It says 5.22
